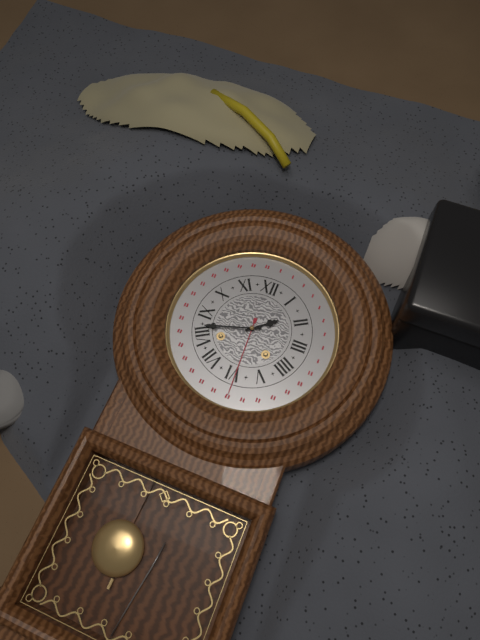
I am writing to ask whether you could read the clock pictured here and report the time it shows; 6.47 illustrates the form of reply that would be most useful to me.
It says 1.42
